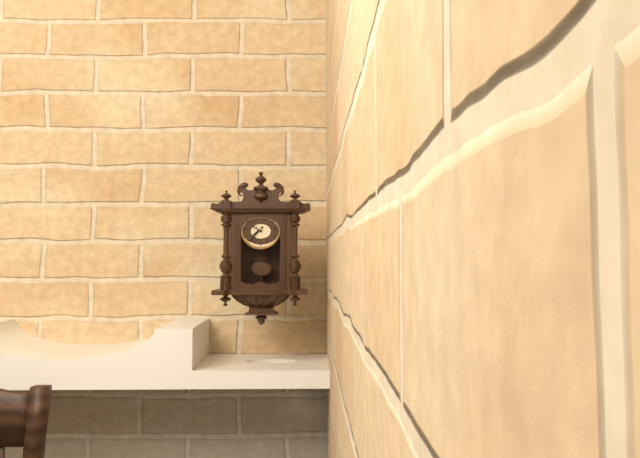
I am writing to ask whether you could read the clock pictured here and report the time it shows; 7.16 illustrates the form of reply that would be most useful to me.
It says 7.37
